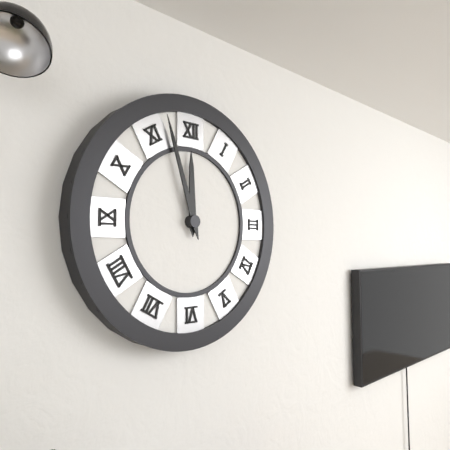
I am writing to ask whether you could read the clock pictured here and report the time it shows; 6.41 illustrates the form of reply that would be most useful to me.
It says 11.57
